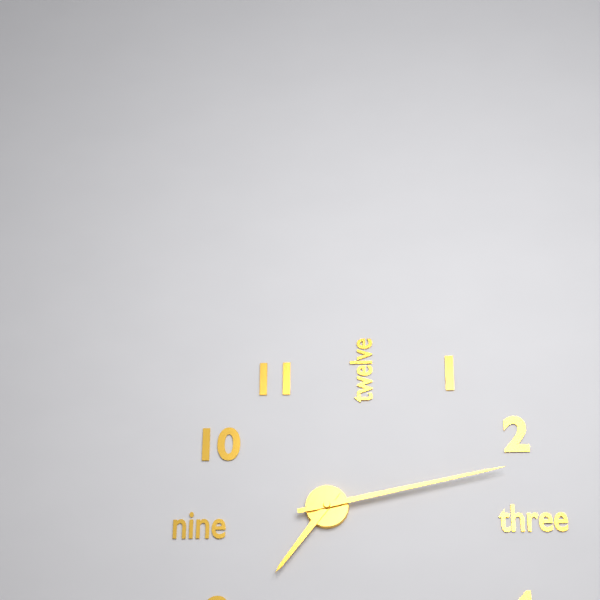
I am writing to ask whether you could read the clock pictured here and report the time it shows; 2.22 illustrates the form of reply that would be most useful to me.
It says 7.13
